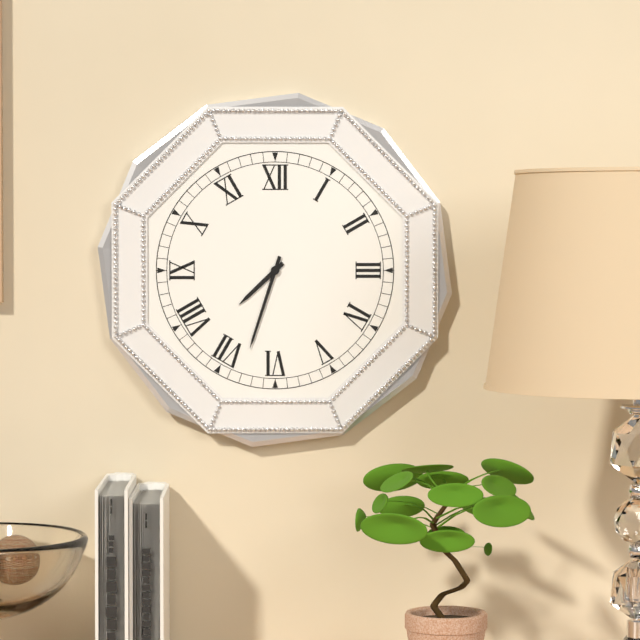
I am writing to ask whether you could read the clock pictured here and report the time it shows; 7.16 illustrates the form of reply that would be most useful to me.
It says 7.33
